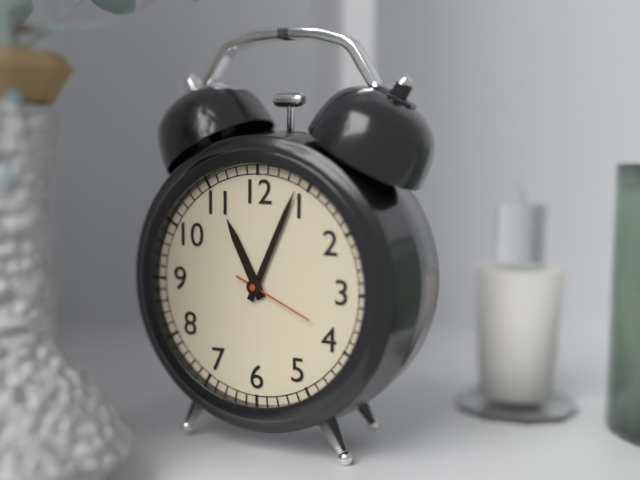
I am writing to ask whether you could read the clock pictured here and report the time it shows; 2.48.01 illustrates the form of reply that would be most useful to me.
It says 11.04.19
